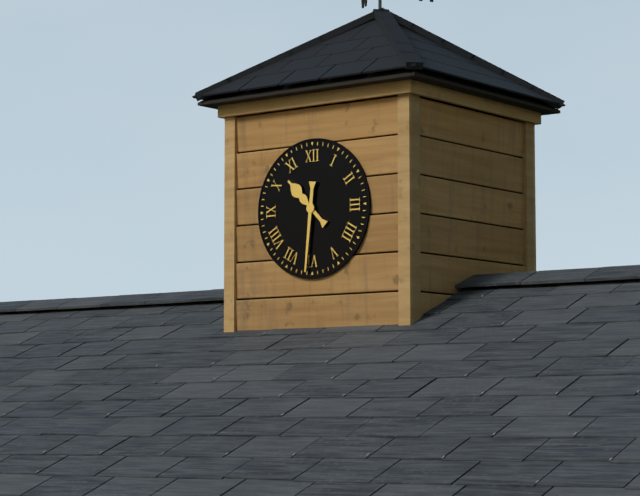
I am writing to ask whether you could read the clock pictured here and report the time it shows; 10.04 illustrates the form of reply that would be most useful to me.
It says 10.31
